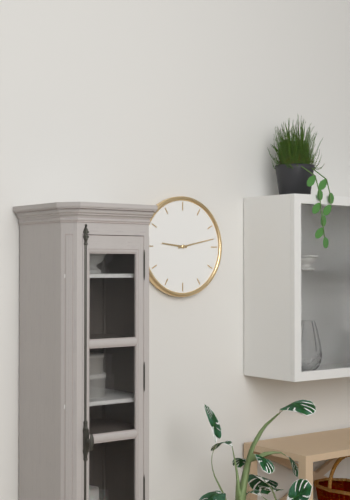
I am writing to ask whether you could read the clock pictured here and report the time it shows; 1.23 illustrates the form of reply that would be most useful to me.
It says 9.13
